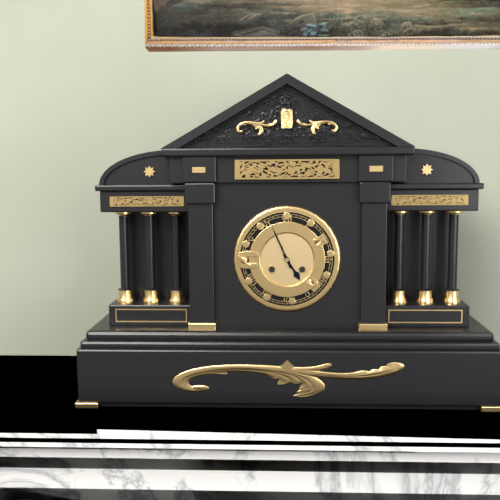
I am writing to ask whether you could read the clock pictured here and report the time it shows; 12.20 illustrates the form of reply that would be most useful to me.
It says 4.56
